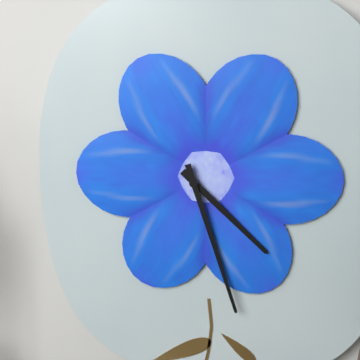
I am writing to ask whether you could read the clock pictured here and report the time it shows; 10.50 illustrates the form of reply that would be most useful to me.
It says 4.27
